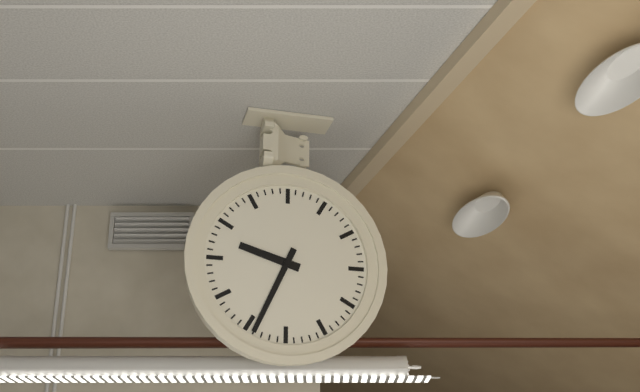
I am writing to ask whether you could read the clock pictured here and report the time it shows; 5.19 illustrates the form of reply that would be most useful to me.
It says 9.34
